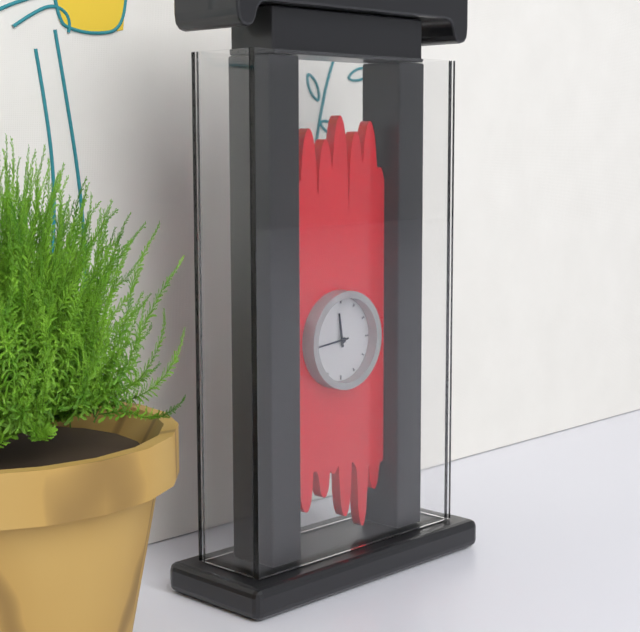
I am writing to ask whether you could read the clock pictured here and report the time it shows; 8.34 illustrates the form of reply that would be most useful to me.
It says 11.44
